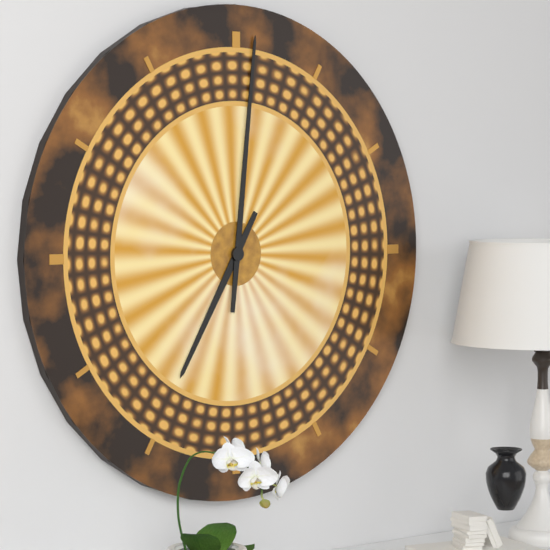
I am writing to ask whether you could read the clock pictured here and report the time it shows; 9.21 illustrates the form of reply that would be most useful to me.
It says 7.01
